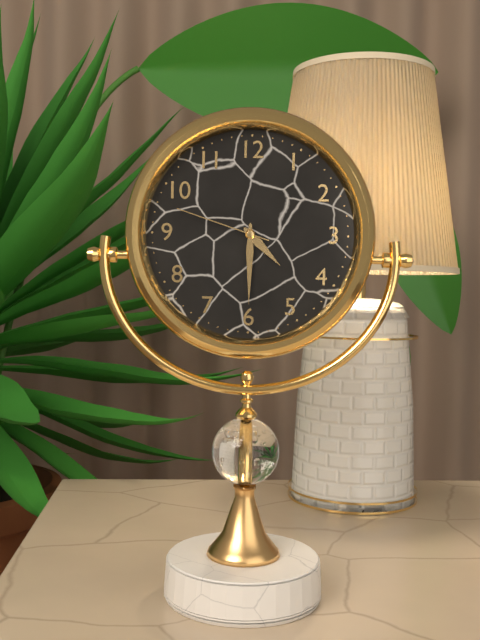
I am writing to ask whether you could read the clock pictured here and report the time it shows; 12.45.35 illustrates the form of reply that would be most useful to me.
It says 4.30.48
